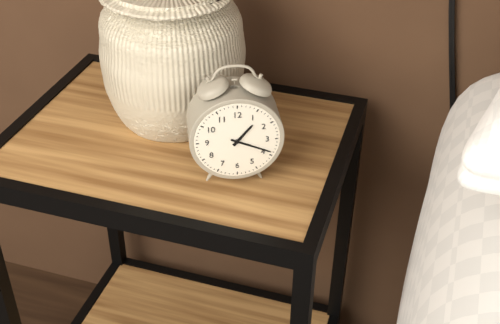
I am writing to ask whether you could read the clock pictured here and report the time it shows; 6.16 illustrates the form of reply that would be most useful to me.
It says 1.19
